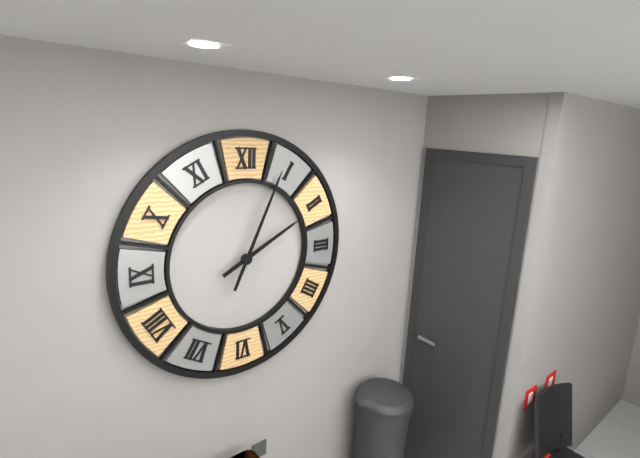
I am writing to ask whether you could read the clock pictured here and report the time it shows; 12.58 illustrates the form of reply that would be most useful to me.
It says 2.04
